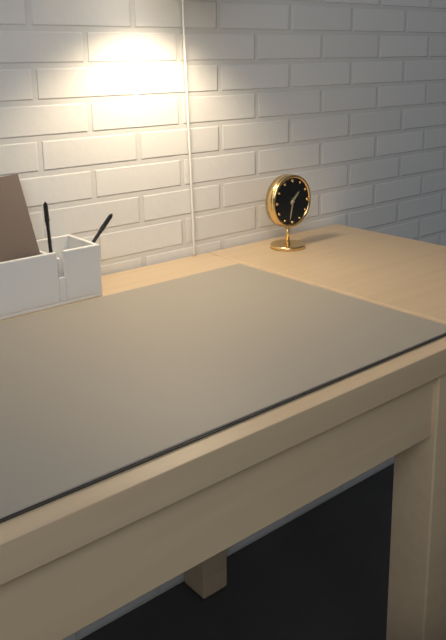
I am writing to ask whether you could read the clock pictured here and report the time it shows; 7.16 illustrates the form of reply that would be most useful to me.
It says 1.32
